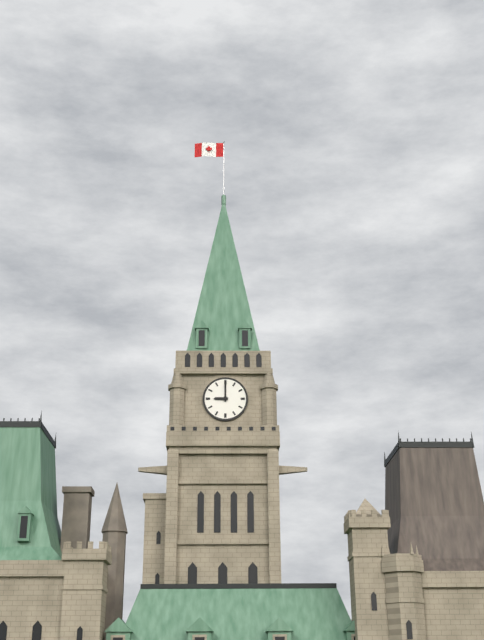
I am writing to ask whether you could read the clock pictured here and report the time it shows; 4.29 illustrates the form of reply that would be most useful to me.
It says 9.00
